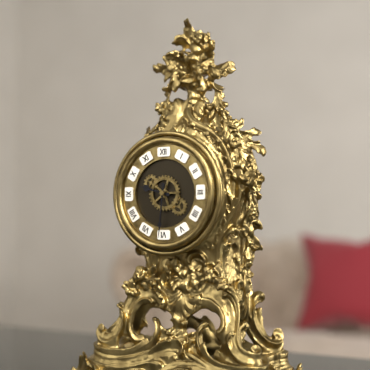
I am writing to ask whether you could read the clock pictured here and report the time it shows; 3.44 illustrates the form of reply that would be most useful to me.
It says 9.31
